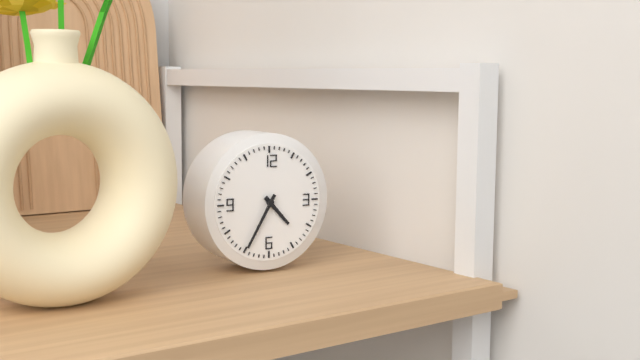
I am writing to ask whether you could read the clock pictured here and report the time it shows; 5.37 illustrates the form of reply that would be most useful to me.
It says 4.35
